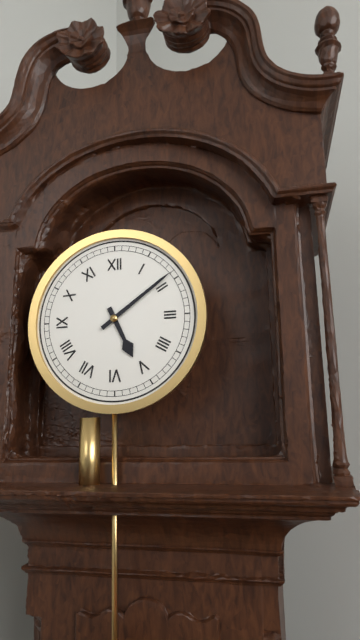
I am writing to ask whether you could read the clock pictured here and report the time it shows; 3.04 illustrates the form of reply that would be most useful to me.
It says 5.09
